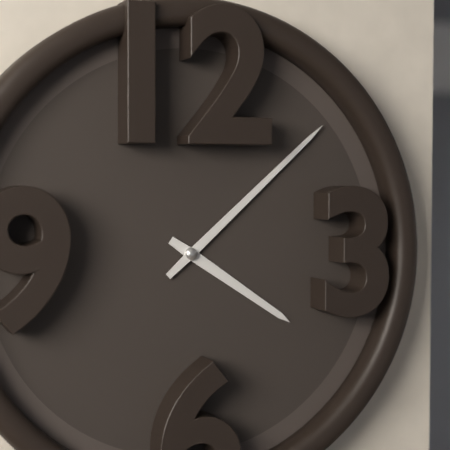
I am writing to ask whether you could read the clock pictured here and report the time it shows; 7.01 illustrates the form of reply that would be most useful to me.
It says 4.08
